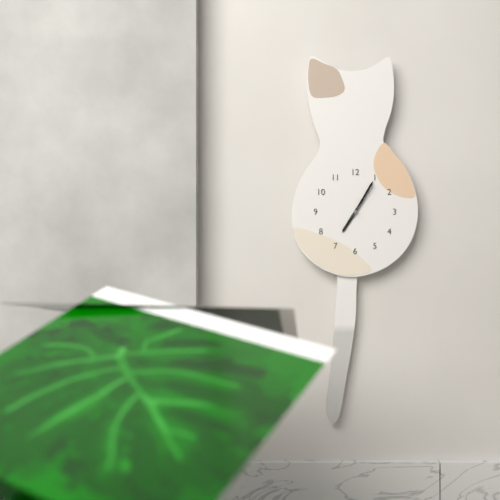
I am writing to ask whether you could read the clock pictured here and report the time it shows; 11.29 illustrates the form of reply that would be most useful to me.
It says 7.05
